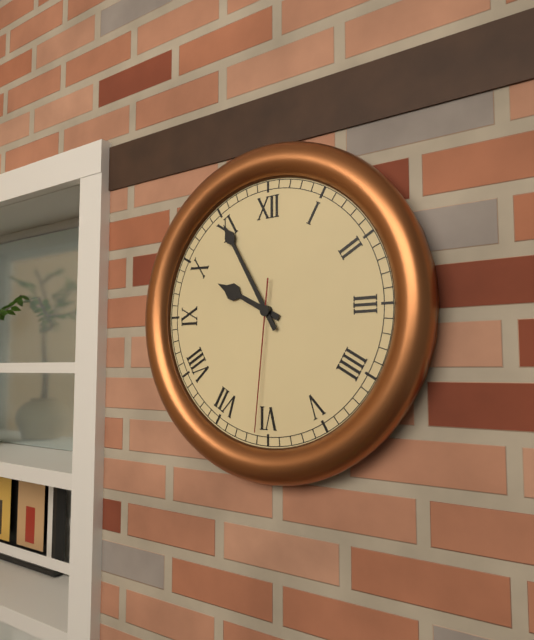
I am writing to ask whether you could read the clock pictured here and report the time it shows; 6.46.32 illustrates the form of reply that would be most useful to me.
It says 9.55.31
